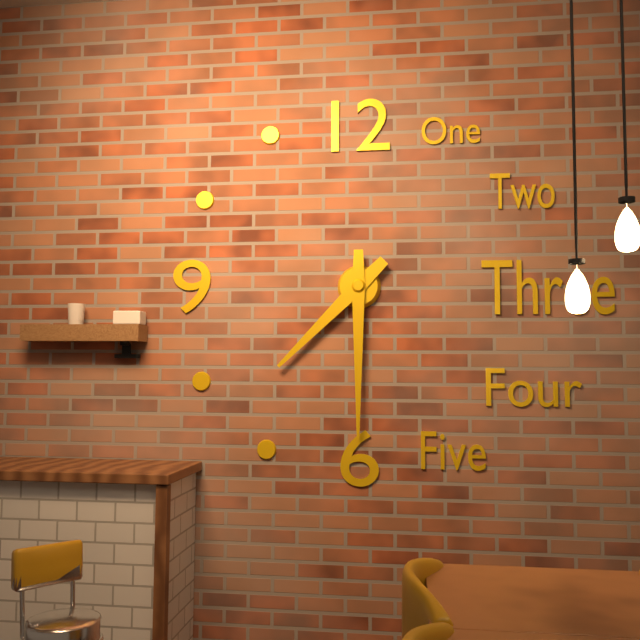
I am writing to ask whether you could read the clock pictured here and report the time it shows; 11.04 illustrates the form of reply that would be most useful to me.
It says 7.30
